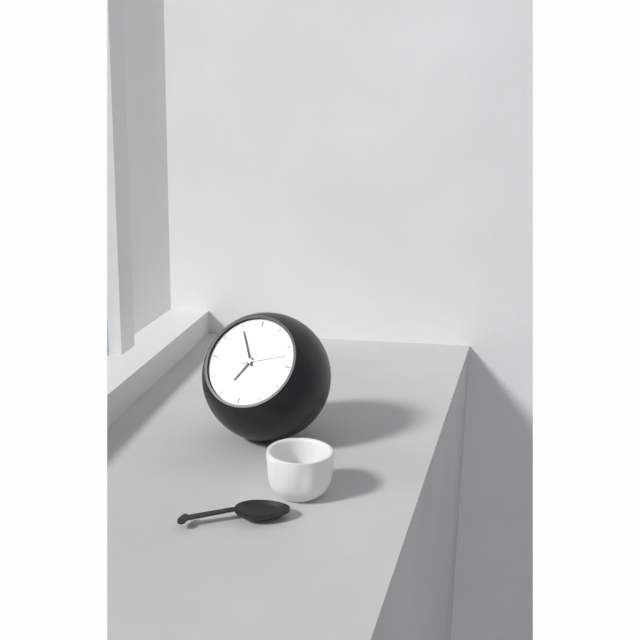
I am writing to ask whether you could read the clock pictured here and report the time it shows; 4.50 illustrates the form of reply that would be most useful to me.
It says 6.55
